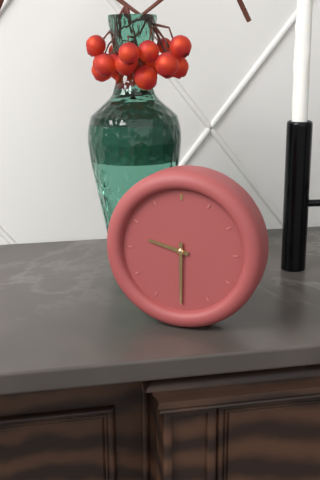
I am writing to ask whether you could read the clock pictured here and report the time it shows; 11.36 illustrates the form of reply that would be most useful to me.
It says 9.30
